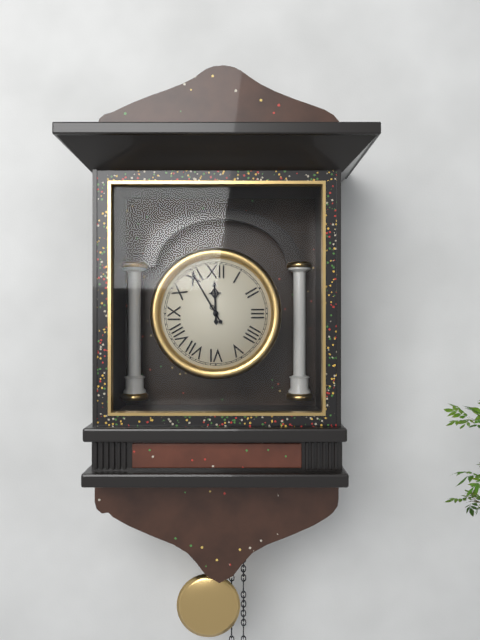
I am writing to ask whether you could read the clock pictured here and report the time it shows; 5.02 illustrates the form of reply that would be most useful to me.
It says 11.55
